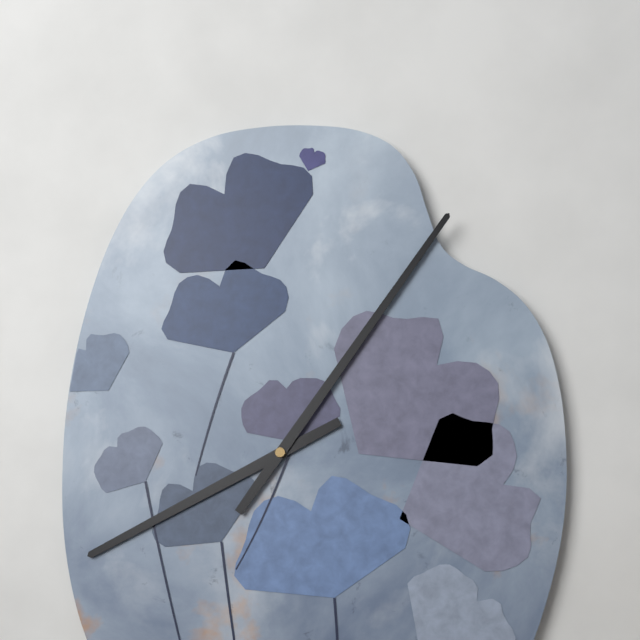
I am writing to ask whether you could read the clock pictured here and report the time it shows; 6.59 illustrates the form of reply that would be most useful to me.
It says 8.06
